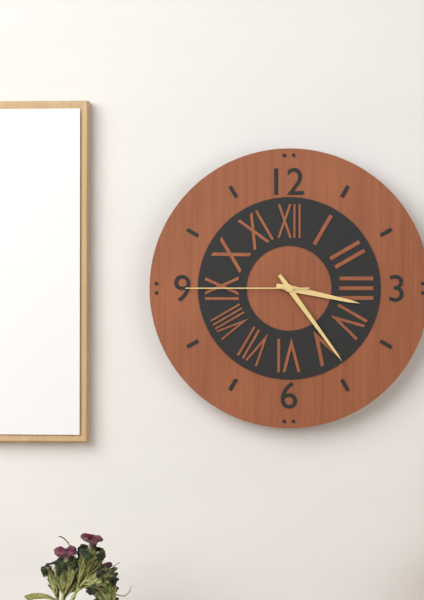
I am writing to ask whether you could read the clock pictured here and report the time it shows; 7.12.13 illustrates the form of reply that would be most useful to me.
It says 3.24.45
